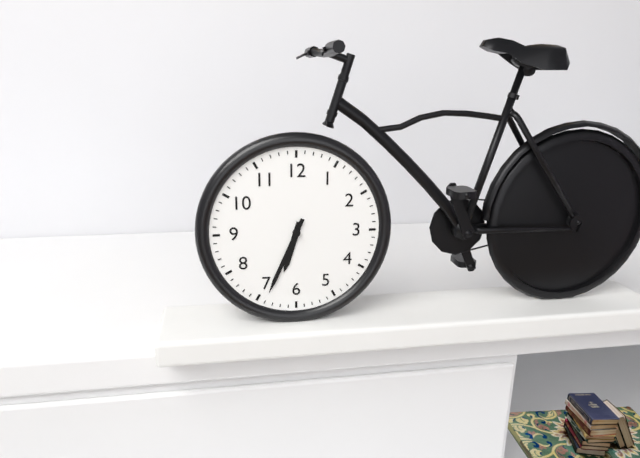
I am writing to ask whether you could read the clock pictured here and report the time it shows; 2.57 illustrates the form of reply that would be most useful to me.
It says 6.34
